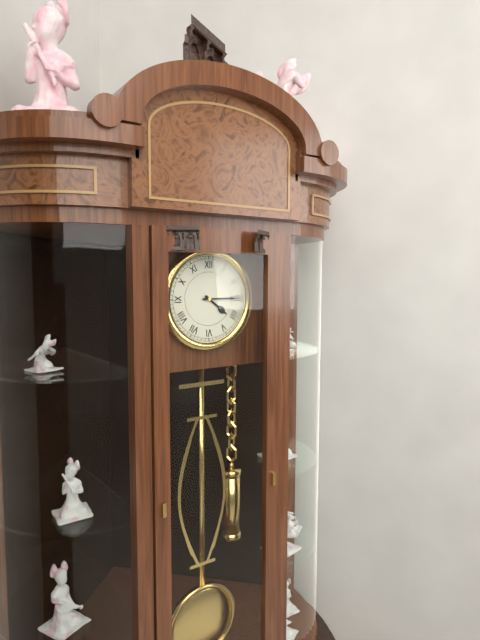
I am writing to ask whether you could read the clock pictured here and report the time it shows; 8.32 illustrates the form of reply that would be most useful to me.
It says 4.15
